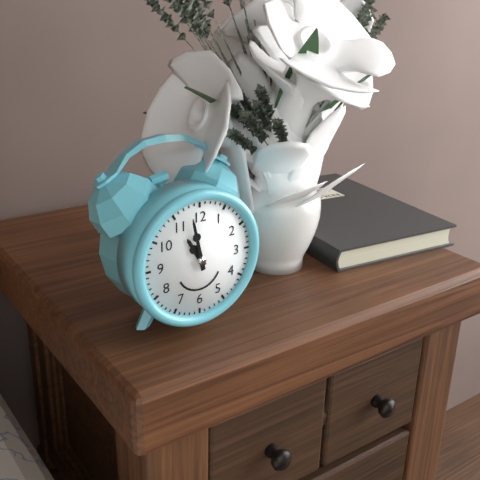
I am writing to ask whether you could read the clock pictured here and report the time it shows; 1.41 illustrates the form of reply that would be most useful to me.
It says 10.58
